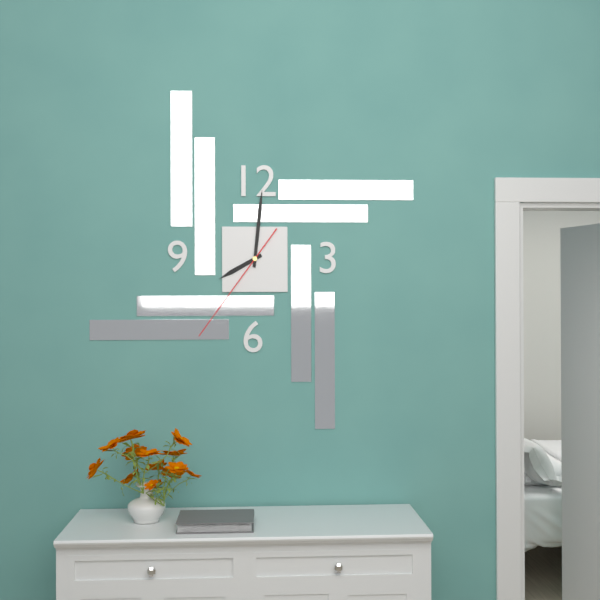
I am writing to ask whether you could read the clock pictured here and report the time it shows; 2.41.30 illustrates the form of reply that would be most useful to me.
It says 8.01.36
